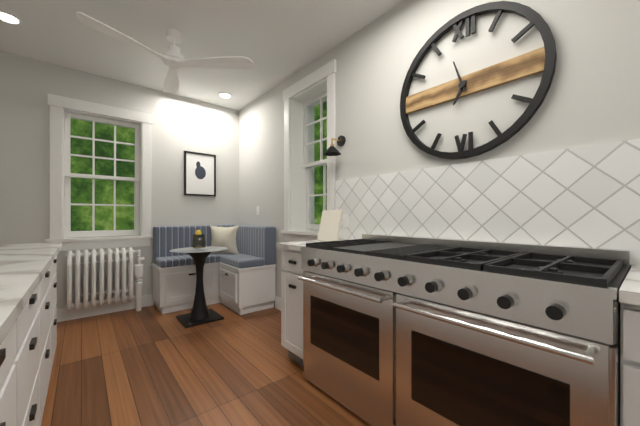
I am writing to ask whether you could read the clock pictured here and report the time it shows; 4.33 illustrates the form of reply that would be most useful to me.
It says 6.57
